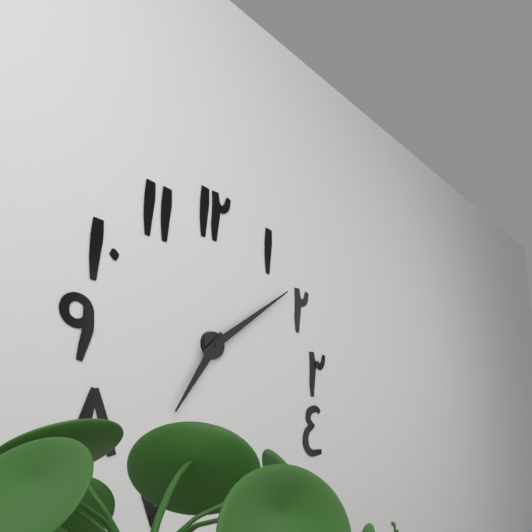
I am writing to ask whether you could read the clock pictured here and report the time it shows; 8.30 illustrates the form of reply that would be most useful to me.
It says 7.09
